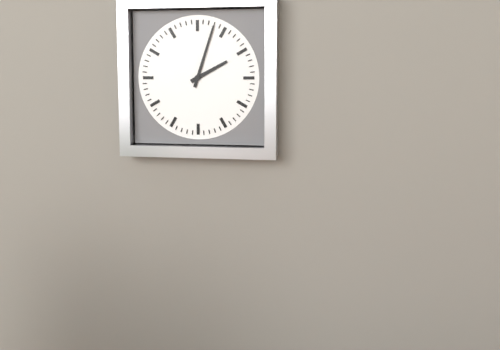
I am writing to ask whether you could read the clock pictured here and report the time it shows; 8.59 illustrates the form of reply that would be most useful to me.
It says 2.03
